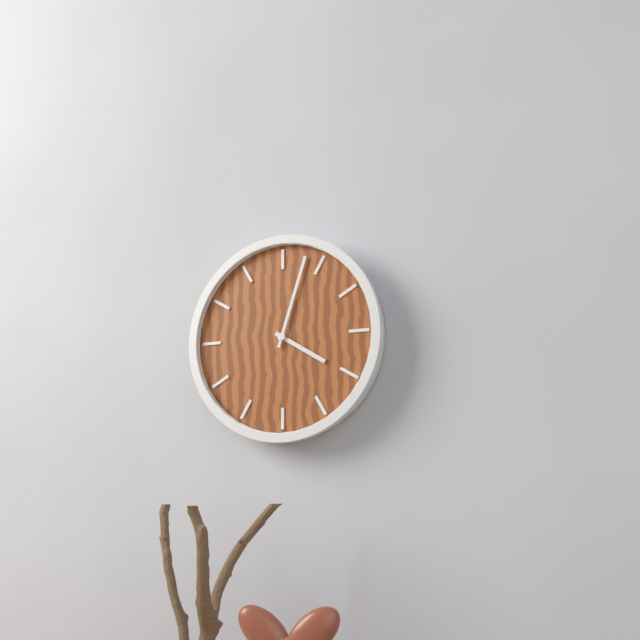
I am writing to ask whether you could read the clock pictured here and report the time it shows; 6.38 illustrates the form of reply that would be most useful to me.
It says 4.03
